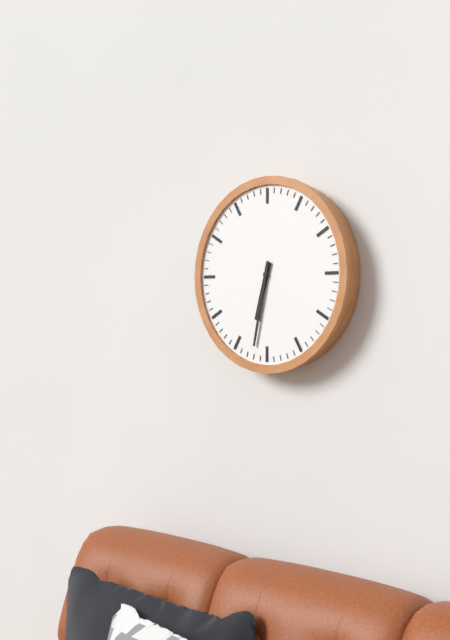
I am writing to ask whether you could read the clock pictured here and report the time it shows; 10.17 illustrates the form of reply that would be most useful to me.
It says 6.32
